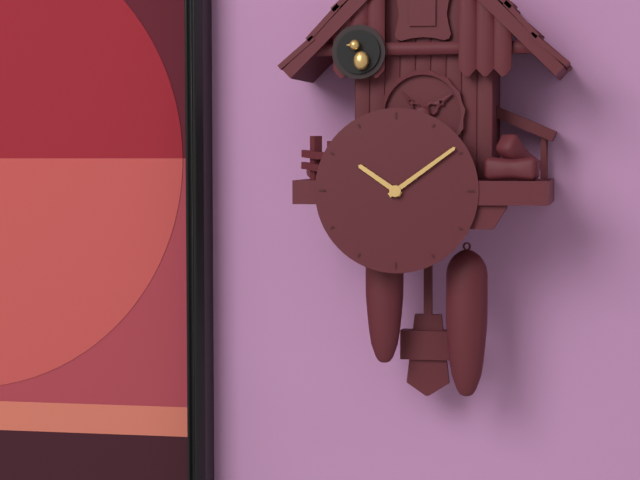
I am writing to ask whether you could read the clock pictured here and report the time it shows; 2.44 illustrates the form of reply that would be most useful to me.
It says 10.09
